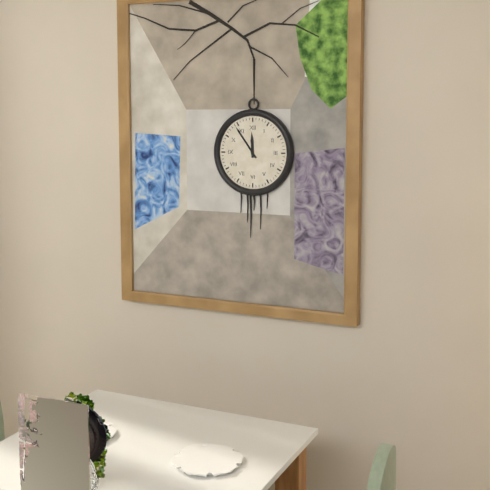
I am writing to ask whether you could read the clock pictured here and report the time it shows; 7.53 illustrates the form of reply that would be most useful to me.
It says 11.54
